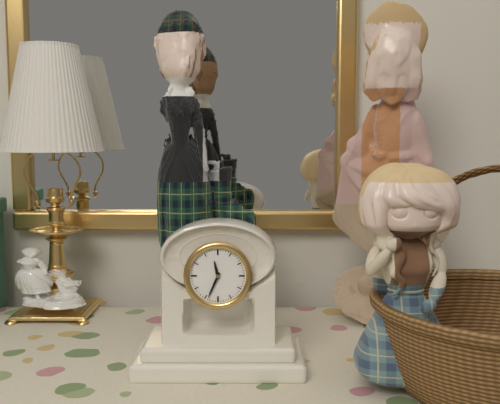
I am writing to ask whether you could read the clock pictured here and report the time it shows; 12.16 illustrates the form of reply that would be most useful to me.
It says 11.34
